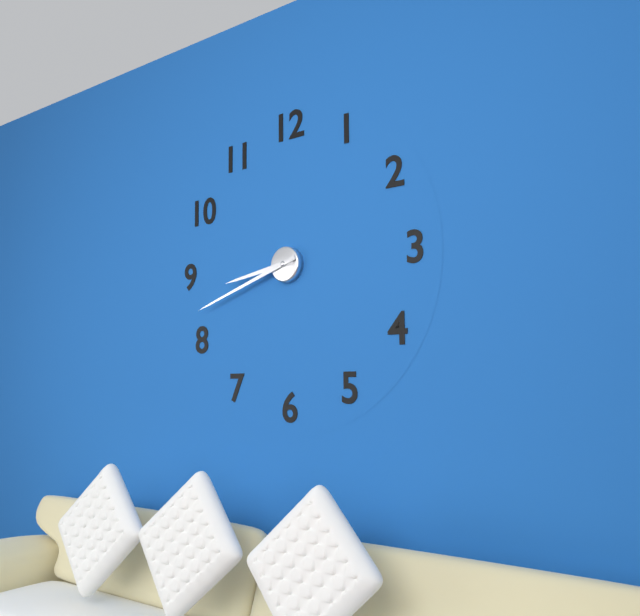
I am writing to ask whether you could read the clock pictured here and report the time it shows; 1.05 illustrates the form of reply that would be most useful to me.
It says 8.42
